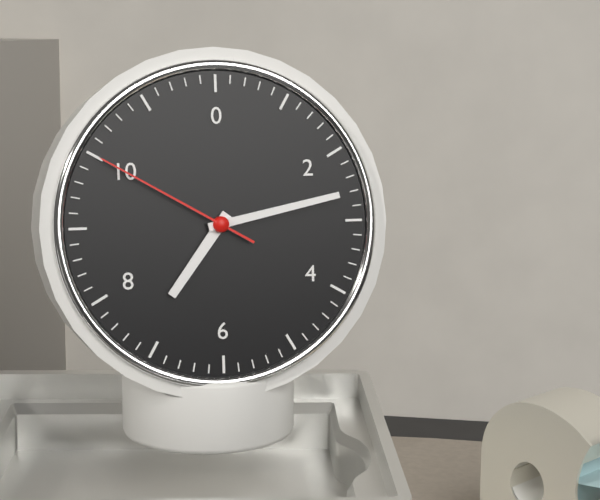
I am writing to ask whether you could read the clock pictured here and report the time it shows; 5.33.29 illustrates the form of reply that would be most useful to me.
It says 7.13.50
